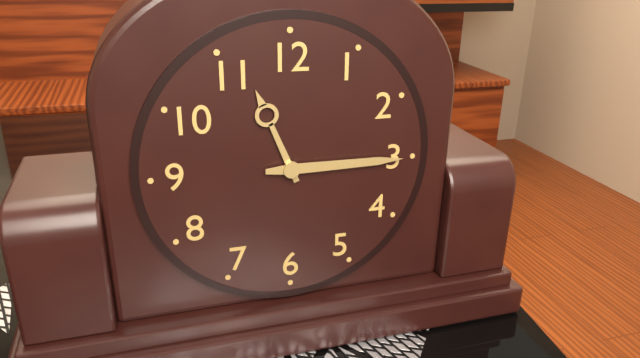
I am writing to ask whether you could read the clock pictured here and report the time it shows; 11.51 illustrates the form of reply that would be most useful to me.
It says 11.15
